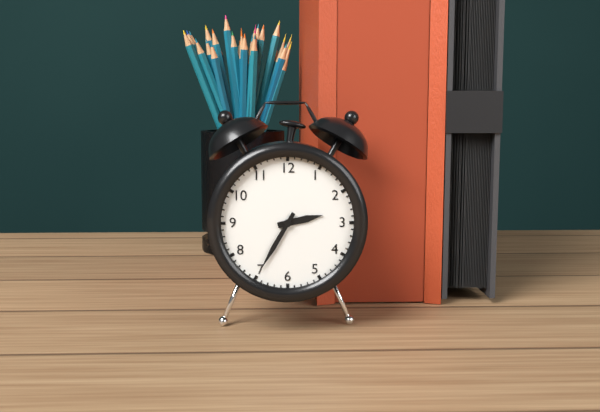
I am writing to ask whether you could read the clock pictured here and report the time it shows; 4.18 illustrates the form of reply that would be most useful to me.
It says 2.35
